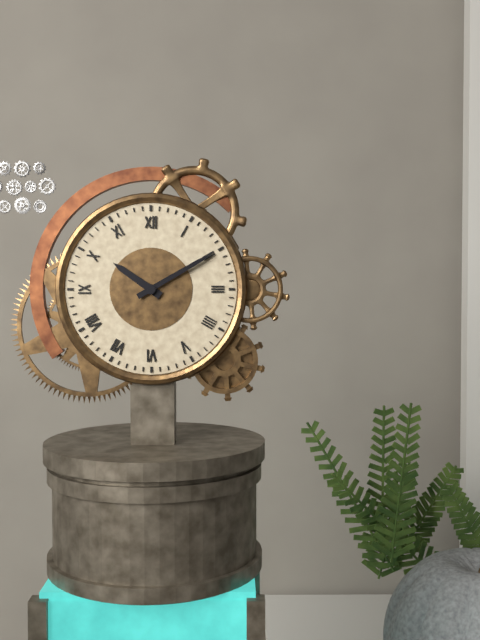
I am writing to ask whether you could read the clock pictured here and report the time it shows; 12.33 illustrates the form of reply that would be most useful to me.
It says 10.10
